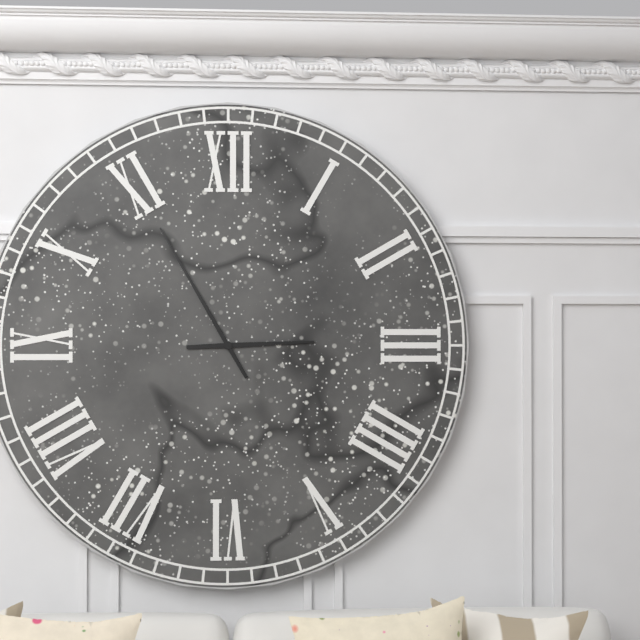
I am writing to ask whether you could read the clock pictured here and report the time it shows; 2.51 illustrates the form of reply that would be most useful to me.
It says 2.55
